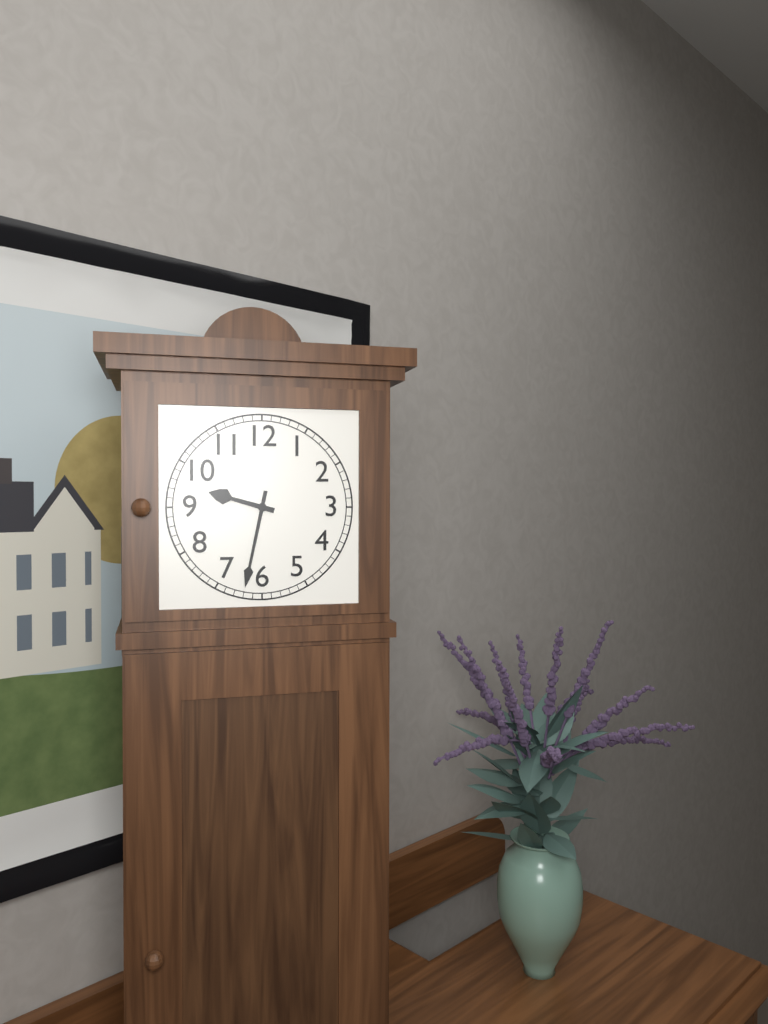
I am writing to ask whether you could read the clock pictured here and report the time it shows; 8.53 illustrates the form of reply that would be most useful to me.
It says 9.32
